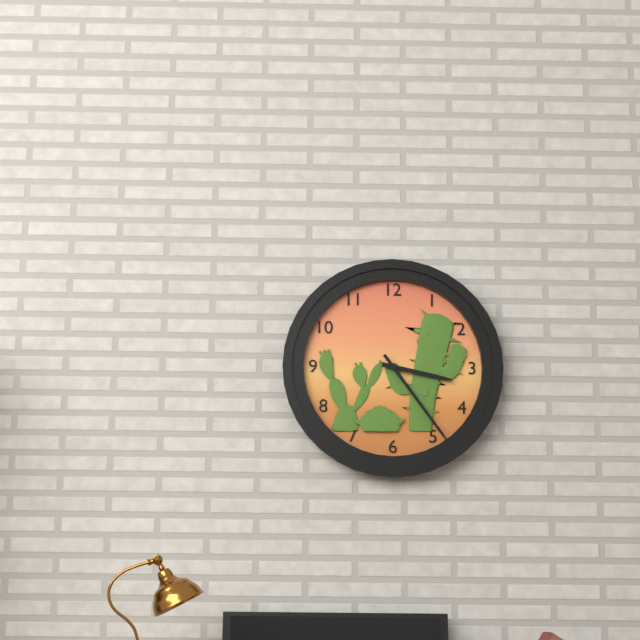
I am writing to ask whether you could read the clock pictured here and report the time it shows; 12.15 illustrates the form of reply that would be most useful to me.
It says 3.24
